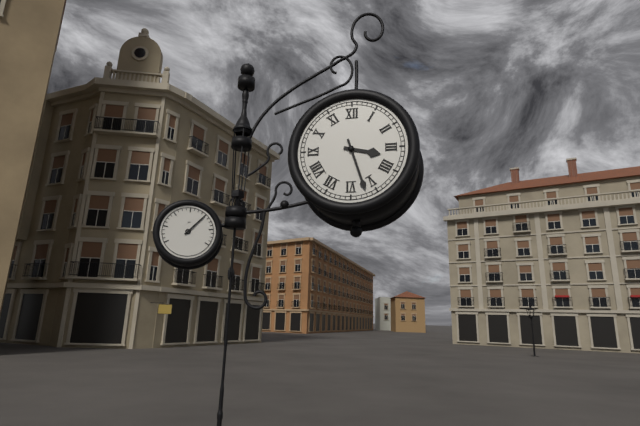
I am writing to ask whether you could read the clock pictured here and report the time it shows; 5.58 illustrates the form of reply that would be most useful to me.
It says 3.27
